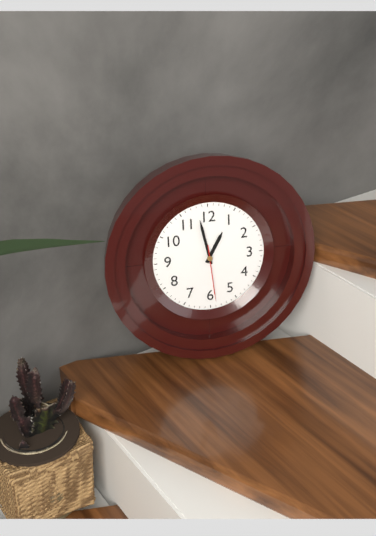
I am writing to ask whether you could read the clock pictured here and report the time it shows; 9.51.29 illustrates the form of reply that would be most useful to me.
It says 12.58.29
